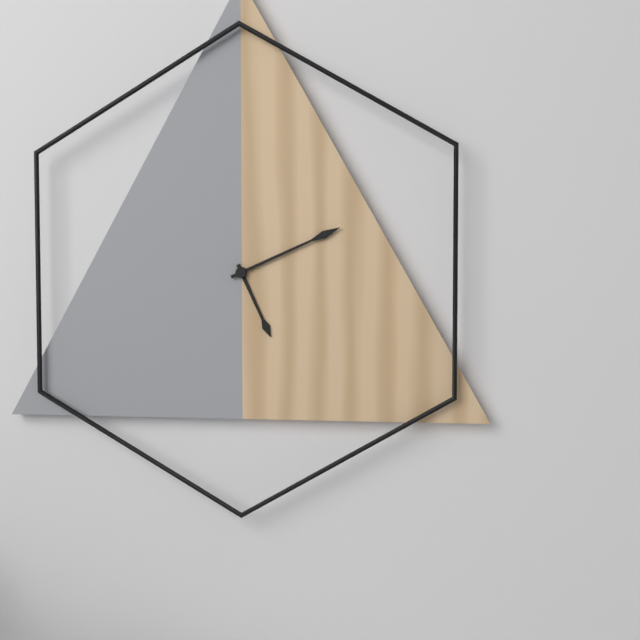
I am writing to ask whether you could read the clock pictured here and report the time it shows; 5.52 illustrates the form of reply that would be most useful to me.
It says 5.11
